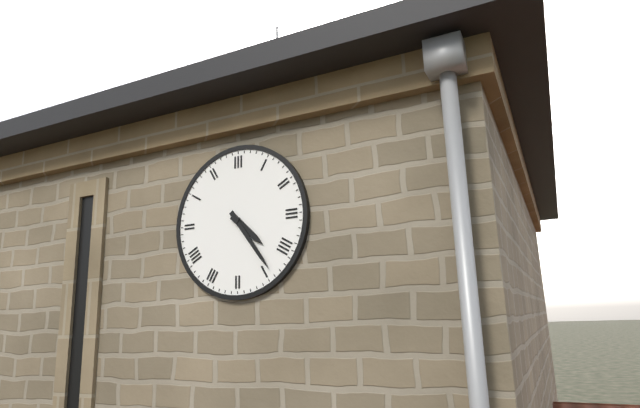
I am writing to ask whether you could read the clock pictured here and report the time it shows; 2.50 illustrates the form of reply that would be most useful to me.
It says 4.24
